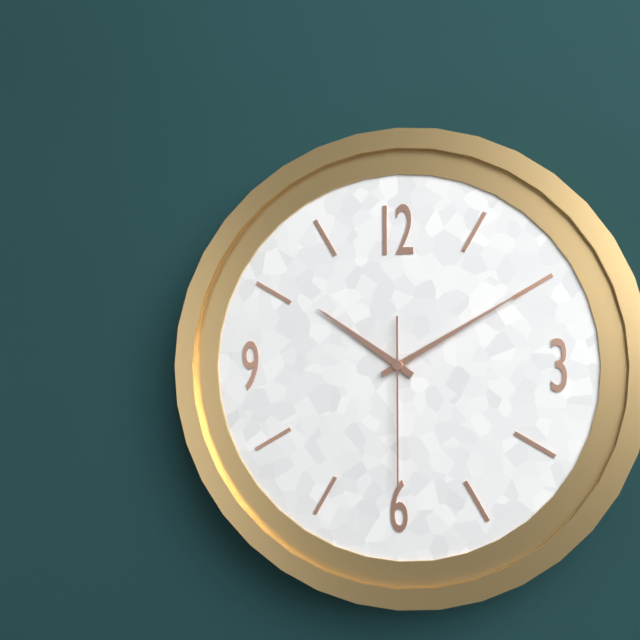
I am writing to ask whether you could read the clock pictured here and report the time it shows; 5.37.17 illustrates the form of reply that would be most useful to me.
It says 10.10.30
